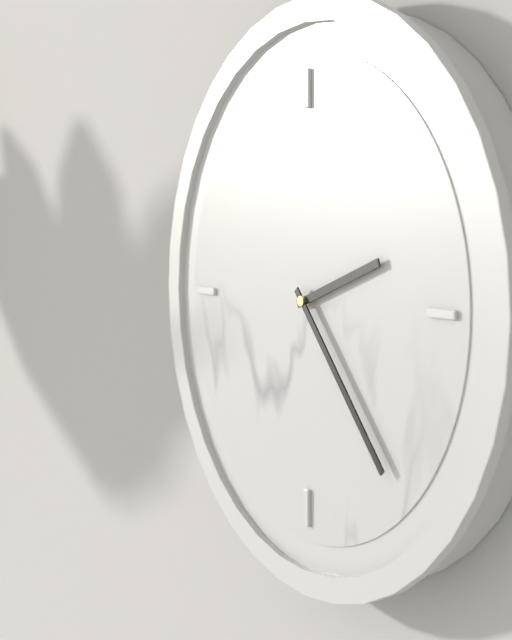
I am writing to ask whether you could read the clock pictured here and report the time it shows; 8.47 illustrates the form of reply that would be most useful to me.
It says 2.23
